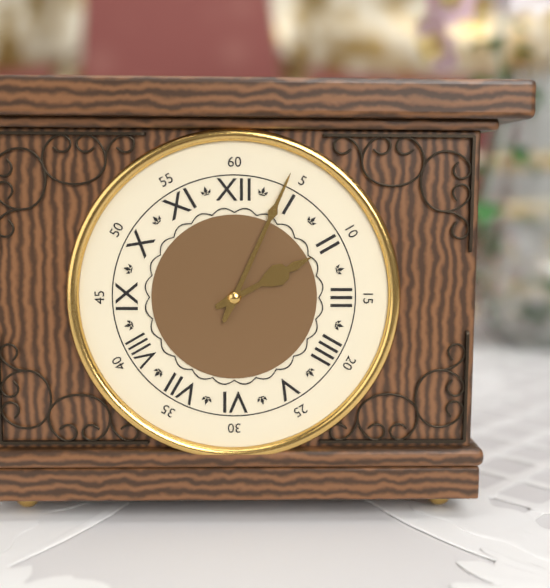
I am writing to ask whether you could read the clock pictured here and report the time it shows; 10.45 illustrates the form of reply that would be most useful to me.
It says 2.04
